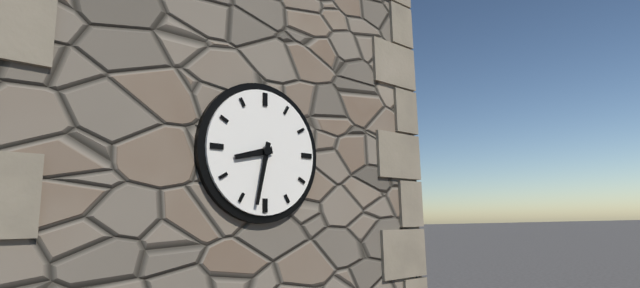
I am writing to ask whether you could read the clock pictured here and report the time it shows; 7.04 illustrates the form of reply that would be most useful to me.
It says 8.32
